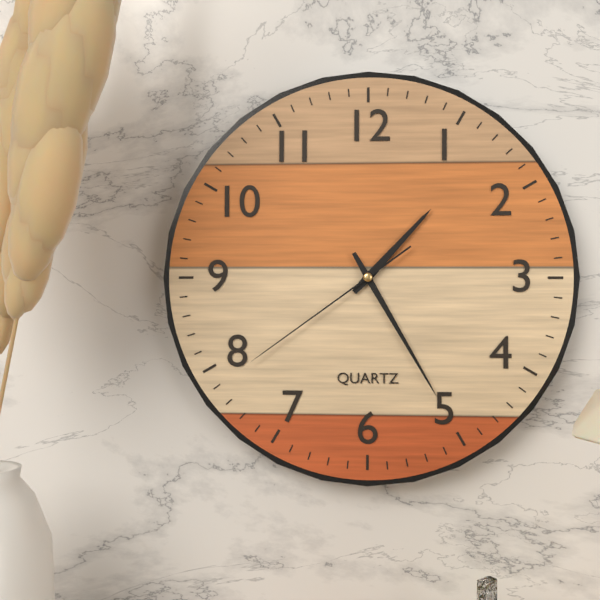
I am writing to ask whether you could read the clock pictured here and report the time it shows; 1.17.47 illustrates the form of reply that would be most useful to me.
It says 1.25.39
